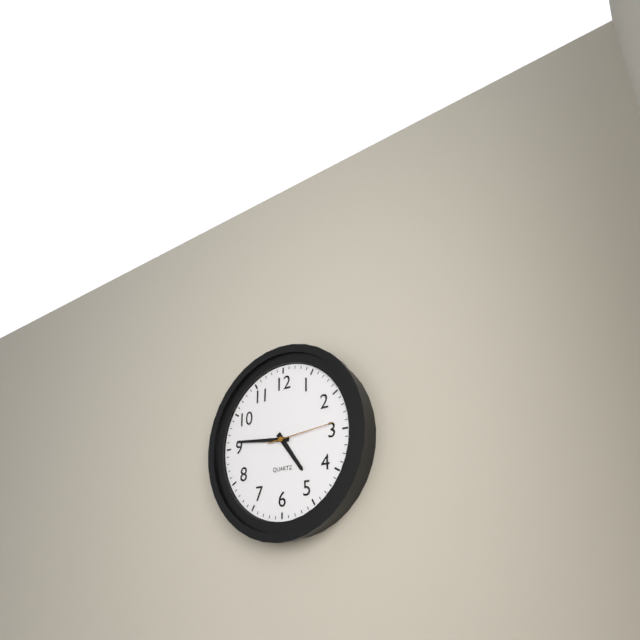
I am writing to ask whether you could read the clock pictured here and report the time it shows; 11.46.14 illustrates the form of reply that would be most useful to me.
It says 4.46.14
